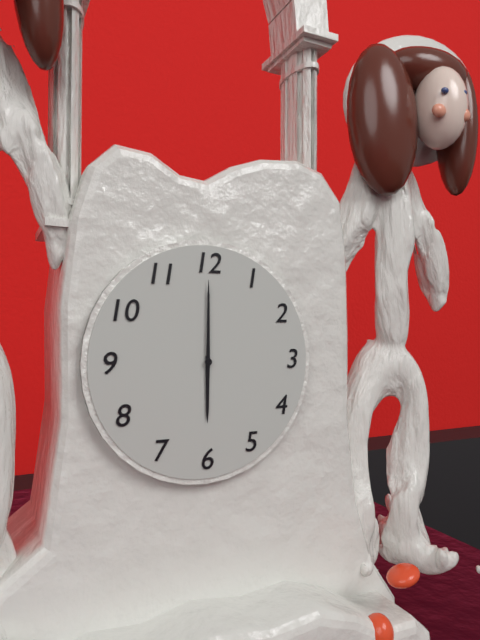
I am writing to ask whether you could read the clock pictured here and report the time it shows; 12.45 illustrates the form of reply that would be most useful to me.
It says 6.00
